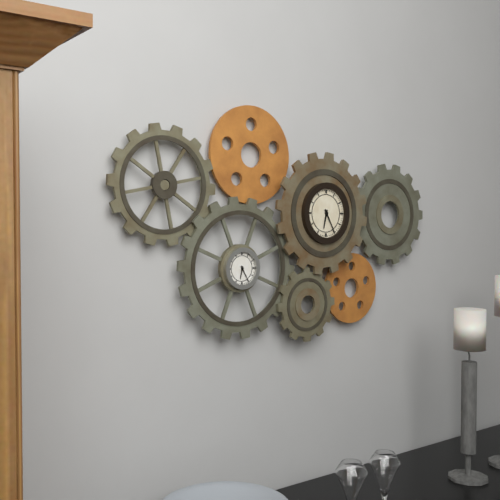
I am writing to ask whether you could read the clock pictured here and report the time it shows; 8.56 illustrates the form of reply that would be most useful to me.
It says 6.25
